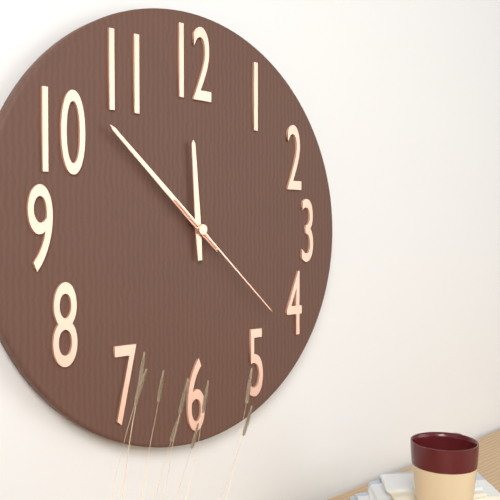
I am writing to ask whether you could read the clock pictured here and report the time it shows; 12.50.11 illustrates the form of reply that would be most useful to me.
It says 11.52.22
